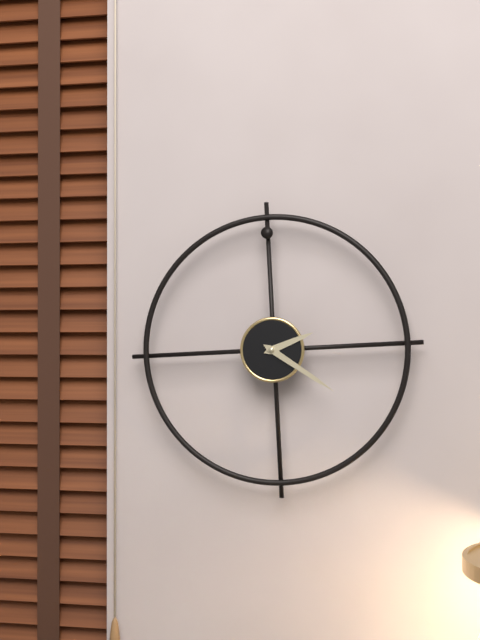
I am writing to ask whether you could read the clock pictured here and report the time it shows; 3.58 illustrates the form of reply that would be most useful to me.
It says 2.21
